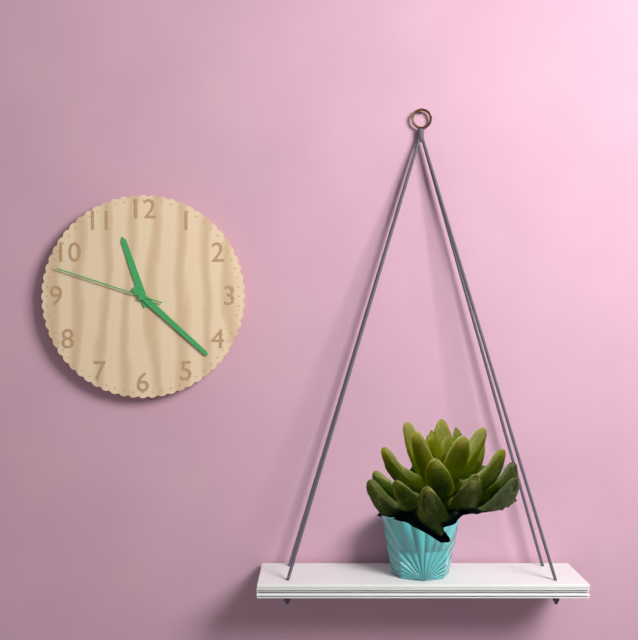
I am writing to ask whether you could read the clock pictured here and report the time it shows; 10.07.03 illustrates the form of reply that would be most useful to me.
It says 11.22.48
